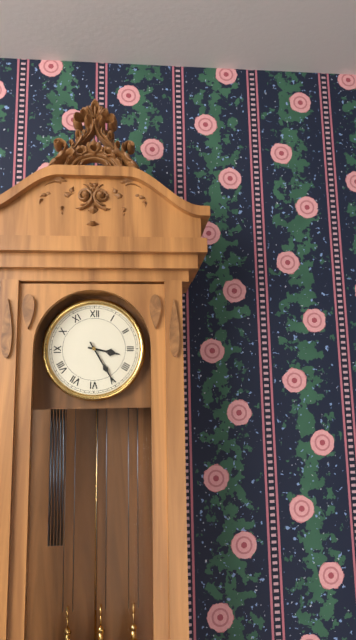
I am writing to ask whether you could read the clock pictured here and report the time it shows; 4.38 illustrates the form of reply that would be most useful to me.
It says 3.25
